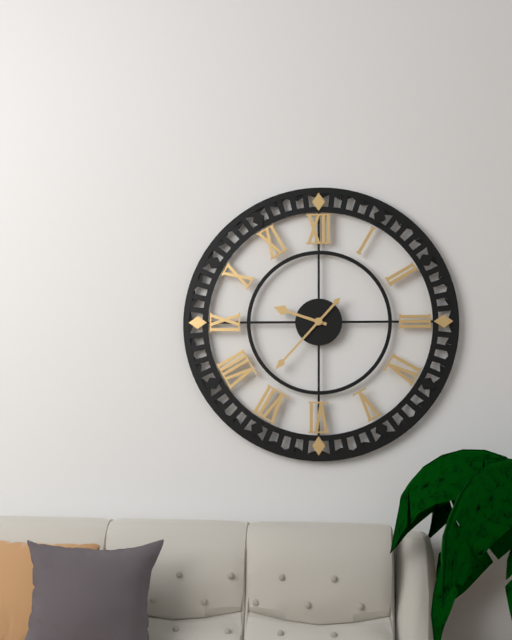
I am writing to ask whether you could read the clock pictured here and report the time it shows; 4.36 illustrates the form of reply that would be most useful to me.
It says 9.37
